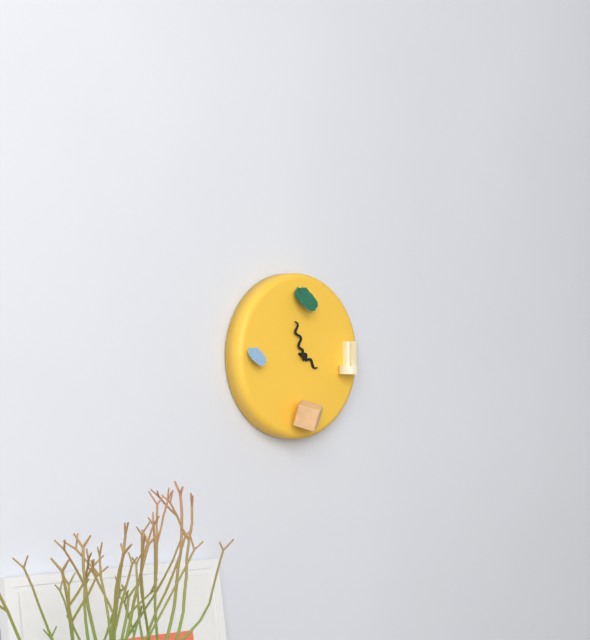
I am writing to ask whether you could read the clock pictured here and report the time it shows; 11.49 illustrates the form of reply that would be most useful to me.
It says 3.57
